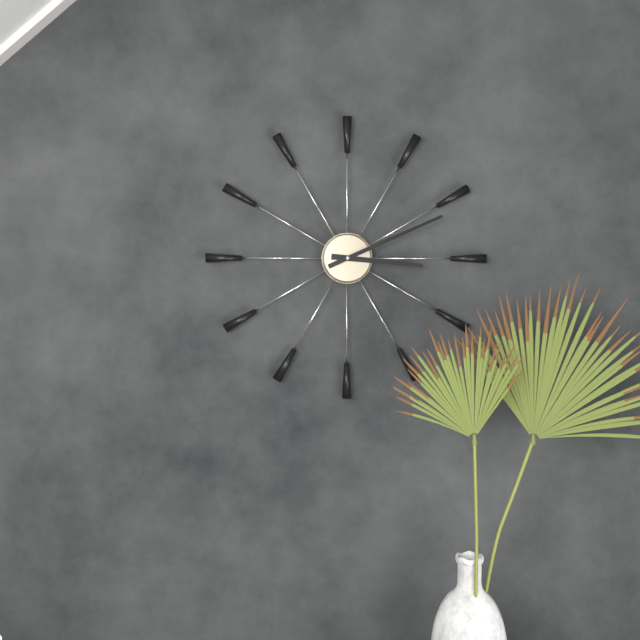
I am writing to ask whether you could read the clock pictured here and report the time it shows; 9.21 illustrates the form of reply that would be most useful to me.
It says 3.11
